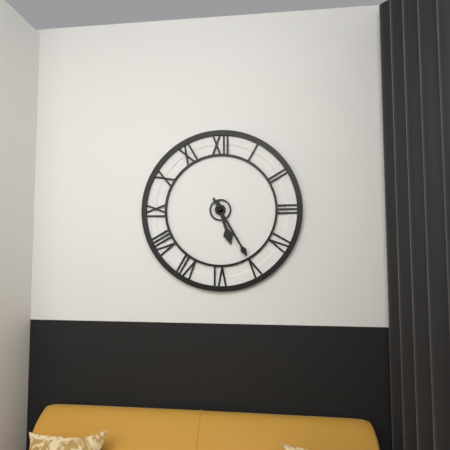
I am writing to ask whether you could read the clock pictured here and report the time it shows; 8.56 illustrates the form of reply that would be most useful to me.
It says 5.25
